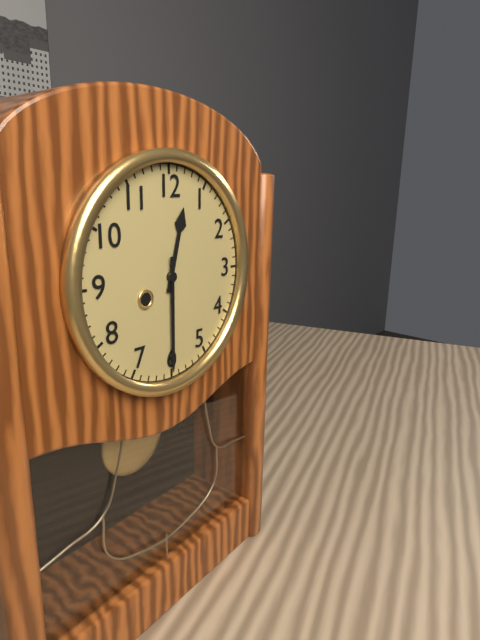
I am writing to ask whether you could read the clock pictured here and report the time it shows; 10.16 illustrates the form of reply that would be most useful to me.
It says 12.30
